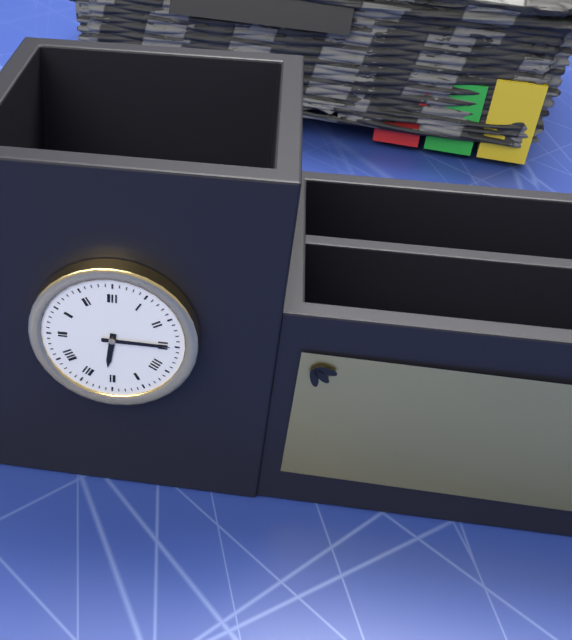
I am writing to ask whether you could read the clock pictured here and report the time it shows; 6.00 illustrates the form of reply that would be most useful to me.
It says 6.15
